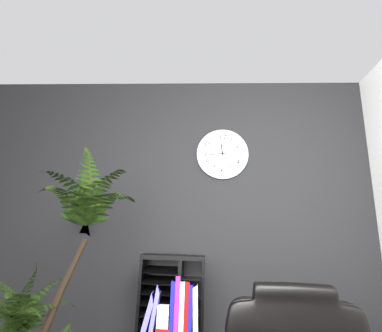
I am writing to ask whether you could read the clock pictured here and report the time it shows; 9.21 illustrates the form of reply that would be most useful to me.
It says 11.44
